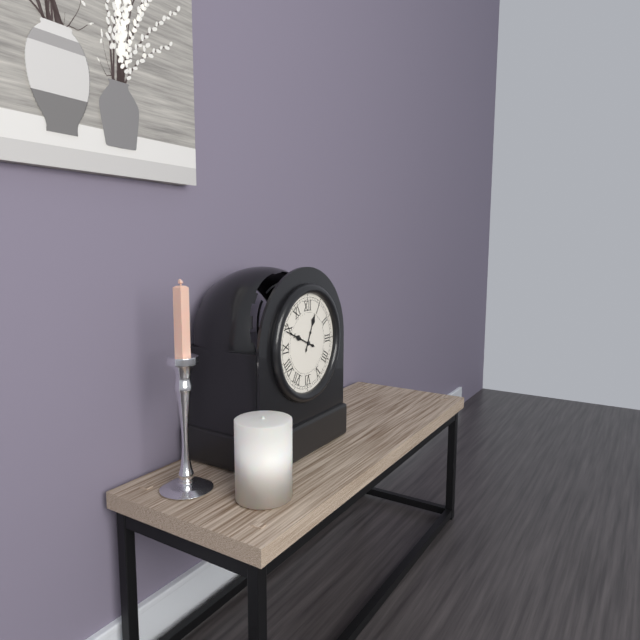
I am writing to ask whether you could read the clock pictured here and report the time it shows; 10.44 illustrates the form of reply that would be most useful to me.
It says 12.49
